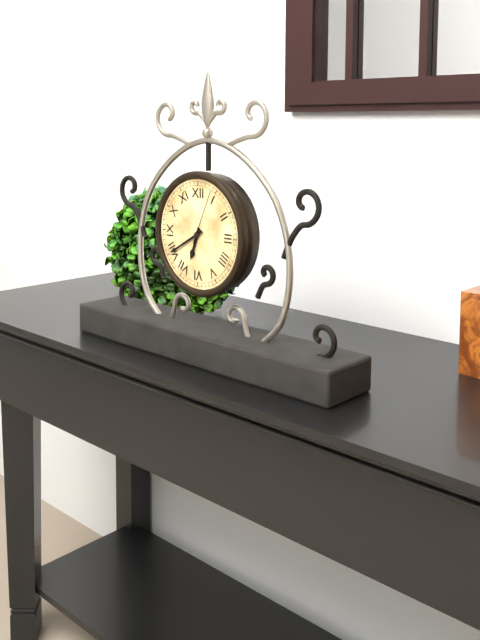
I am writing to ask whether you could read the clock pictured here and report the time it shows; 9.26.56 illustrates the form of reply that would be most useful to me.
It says 6.40.04
